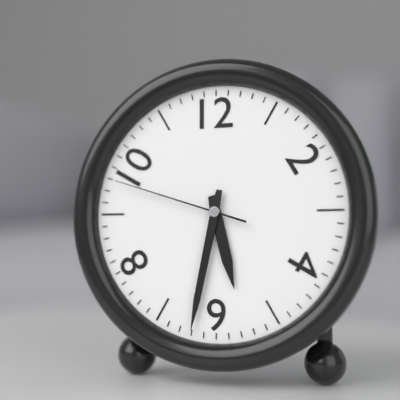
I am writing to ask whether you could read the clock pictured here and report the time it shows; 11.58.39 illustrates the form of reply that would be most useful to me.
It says 5.32.48
